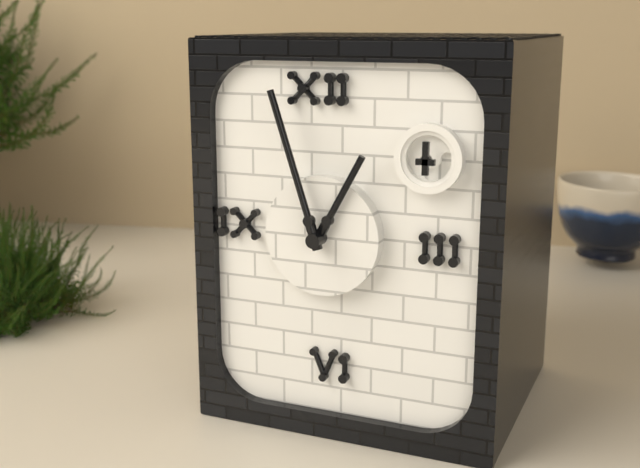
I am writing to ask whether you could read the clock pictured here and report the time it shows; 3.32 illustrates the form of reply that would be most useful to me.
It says 12.57
